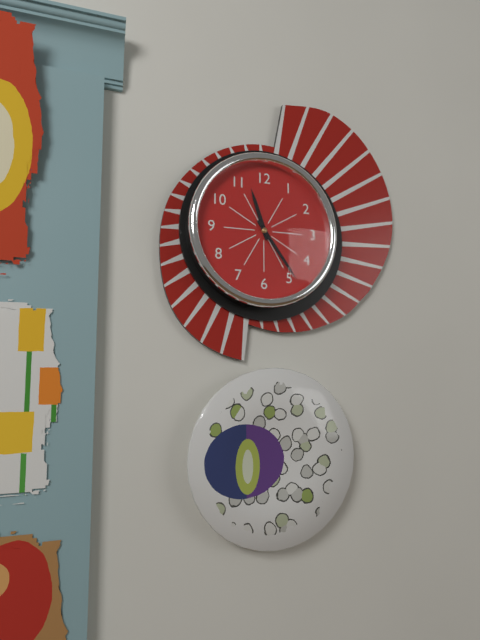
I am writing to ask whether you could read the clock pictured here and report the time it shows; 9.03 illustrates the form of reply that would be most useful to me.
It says 11.24
